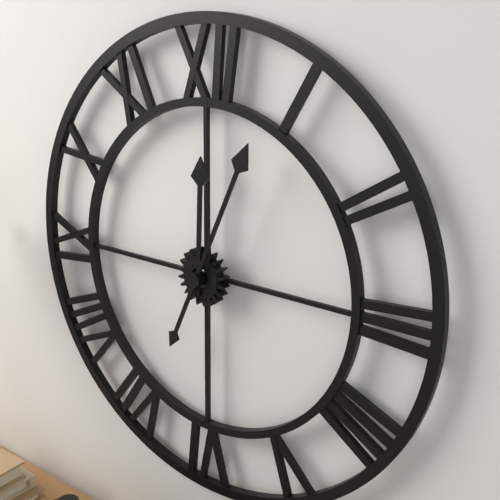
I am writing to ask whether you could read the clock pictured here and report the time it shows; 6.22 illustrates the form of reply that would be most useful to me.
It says 12.04
